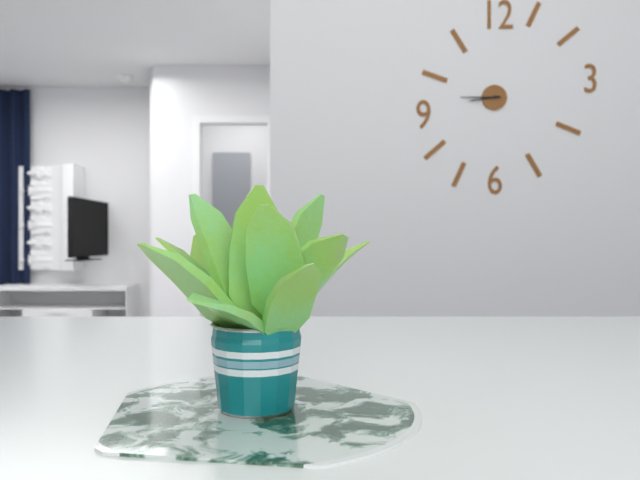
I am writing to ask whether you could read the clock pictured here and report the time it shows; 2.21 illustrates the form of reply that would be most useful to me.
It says 8.45
